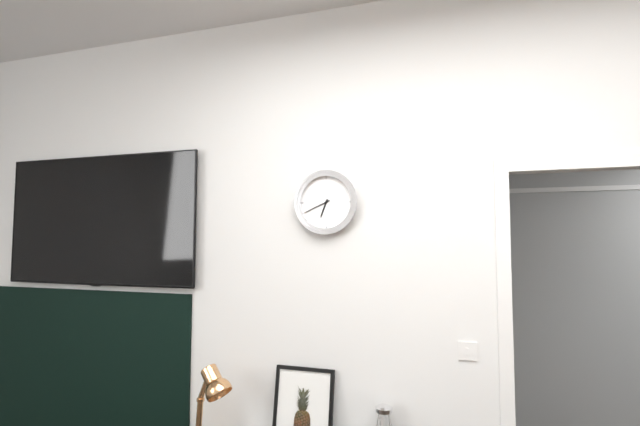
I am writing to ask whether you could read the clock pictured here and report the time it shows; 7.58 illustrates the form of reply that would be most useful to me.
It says 6.41
